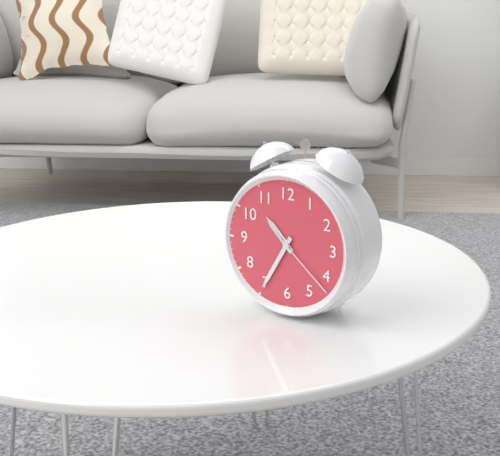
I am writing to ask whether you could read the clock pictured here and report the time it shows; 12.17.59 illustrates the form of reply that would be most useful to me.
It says 10.35.22
